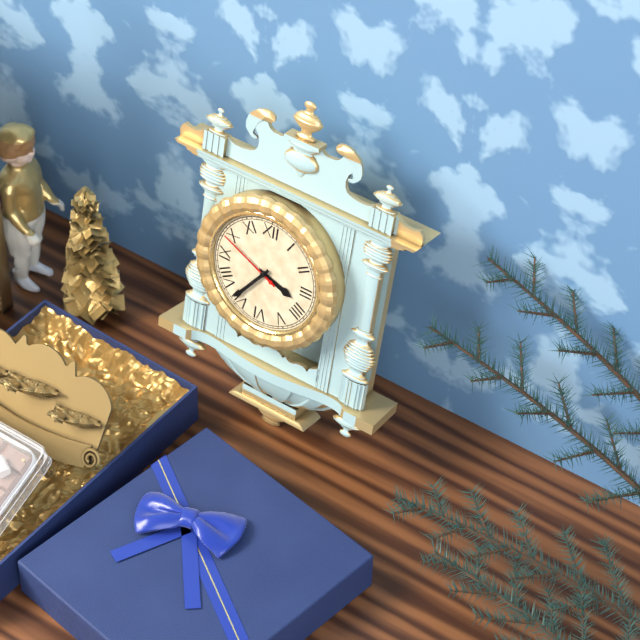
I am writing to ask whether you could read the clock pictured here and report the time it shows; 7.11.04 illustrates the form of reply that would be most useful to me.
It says 3.36.49
